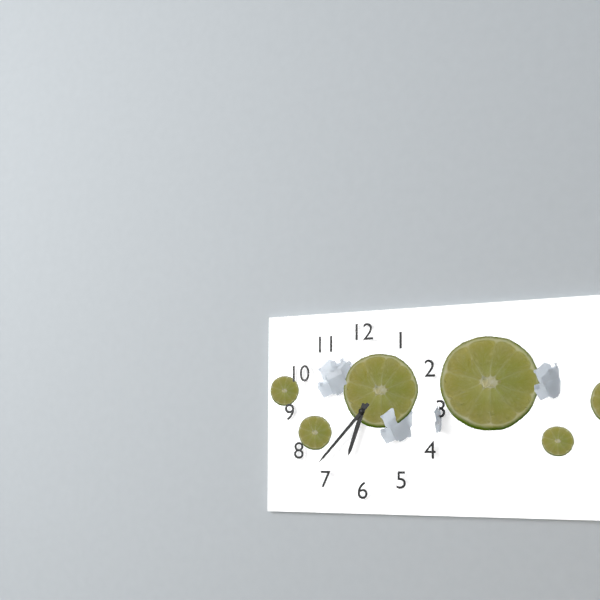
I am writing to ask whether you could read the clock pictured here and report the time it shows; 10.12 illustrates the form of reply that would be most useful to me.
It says 6.37
